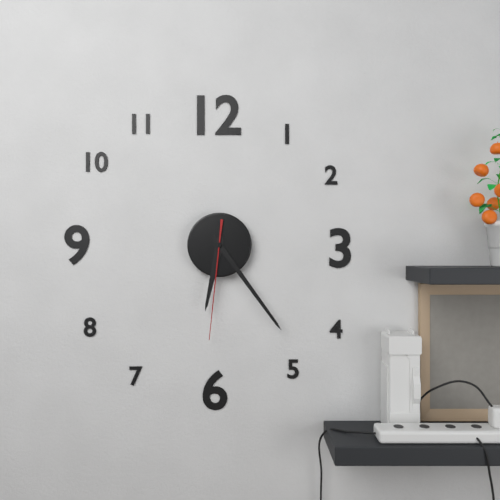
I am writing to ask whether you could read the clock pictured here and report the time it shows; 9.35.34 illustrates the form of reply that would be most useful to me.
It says 6.24.31
